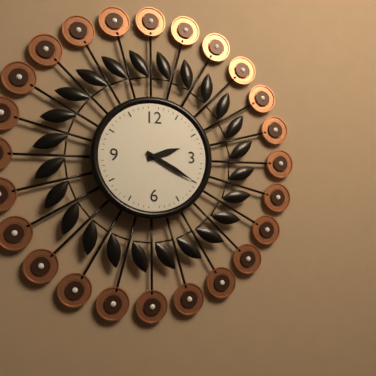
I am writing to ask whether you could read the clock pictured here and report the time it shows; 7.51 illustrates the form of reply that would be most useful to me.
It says 2.20
